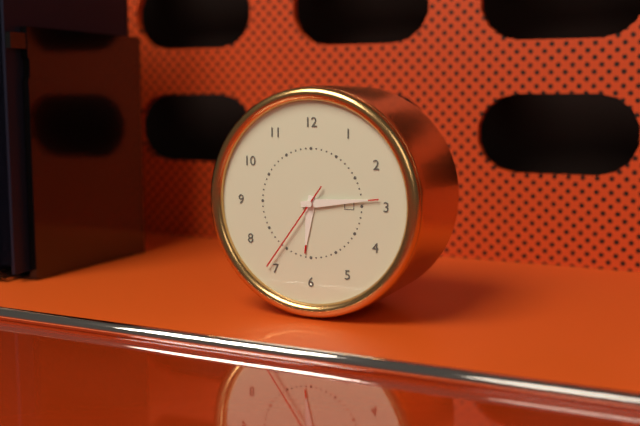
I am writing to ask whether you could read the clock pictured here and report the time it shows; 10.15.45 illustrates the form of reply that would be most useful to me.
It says 6.14.36
